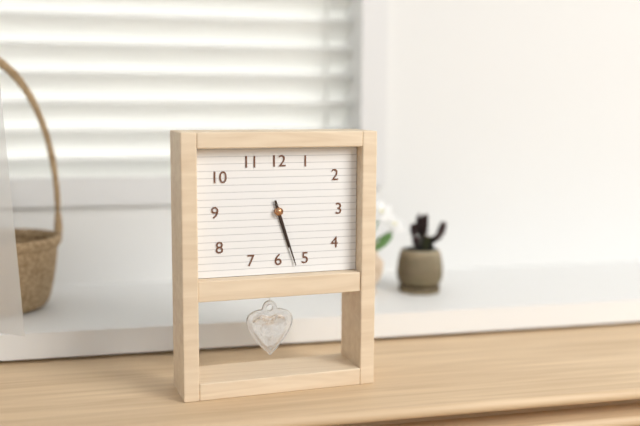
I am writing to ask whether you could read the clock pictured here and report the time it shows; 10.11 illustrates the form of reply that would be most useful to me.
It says 5.27
